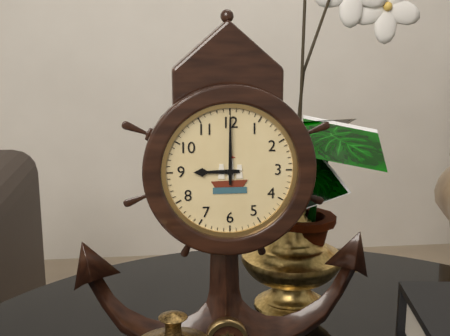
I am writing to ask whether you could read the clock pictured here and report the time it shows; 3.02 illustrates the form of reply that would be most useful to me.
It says 9.00
